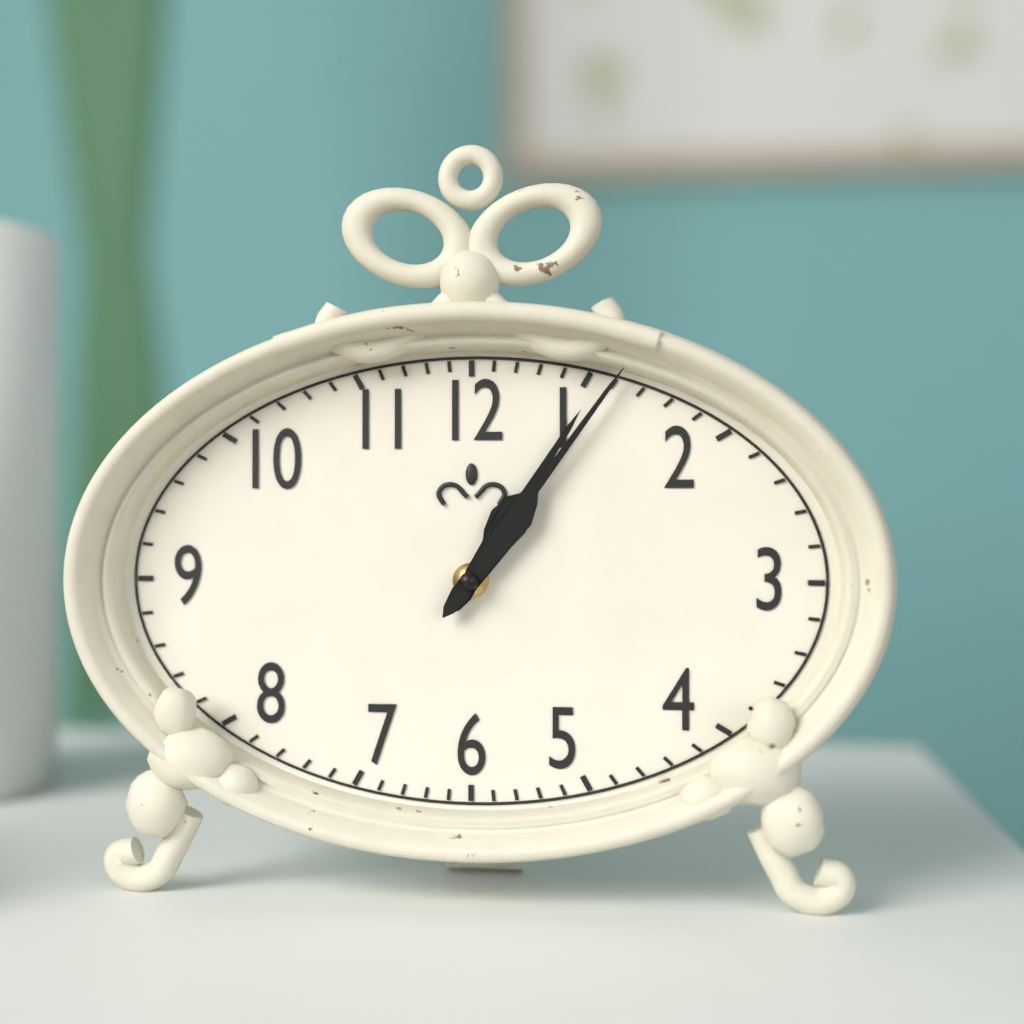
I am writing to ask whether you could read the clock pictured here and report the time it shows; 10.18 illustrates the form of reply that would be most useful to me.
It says 1.06
